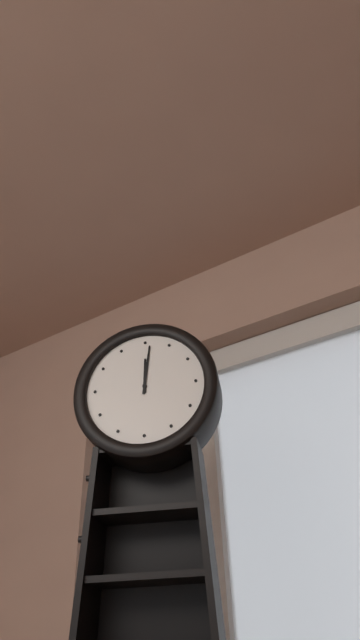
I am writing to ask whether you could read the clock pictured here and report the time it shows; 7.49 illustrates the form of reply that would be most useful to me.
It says 12.01
